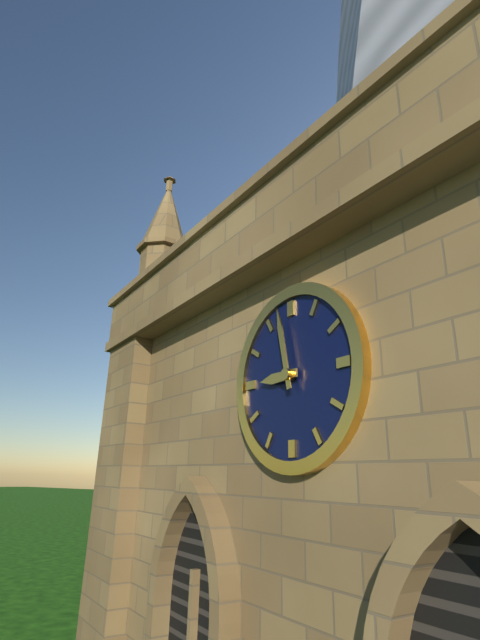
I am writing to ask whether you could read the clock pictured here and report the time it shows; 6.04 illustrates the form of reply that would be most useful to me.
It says 8.58
